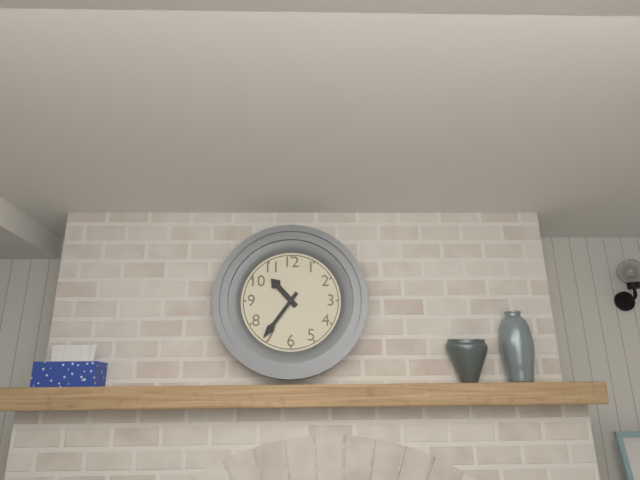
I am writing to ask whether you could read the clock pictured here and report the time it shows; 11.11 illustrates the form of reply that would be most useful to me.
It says 10.36
